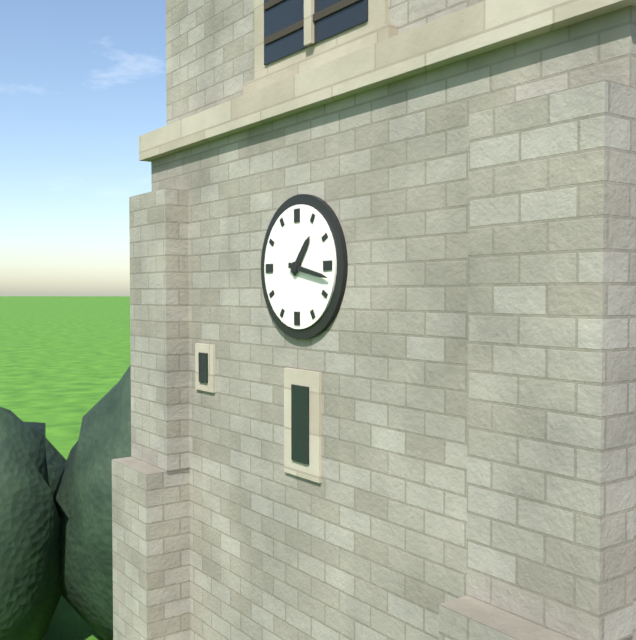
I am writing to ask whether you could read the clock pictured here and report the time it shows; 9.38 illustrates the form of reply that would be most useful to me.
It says 1.17
